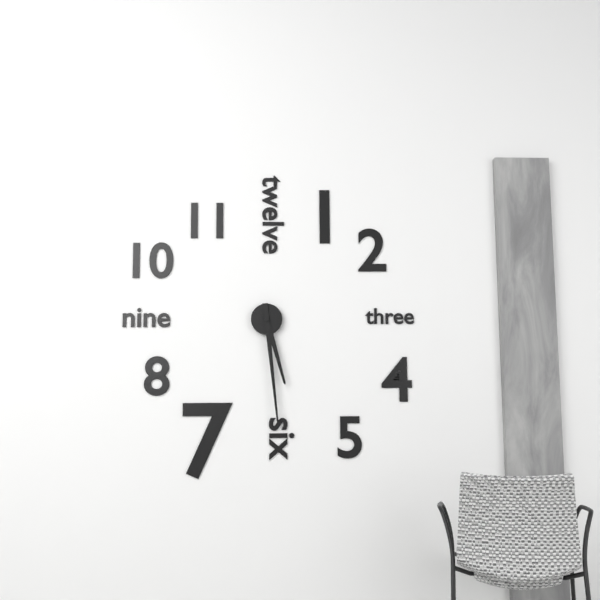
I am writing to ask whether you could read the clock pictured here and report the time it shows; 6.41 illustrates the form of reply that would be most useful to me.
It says 5.29
